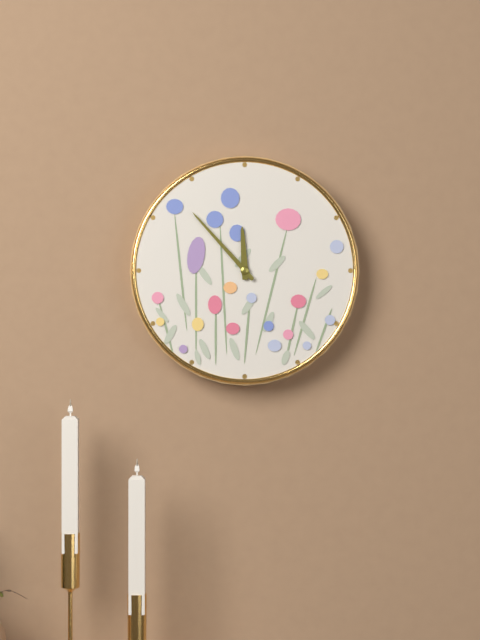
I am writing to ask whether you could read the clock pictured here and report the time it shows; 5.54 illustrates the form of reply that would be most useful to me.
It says 11.53
